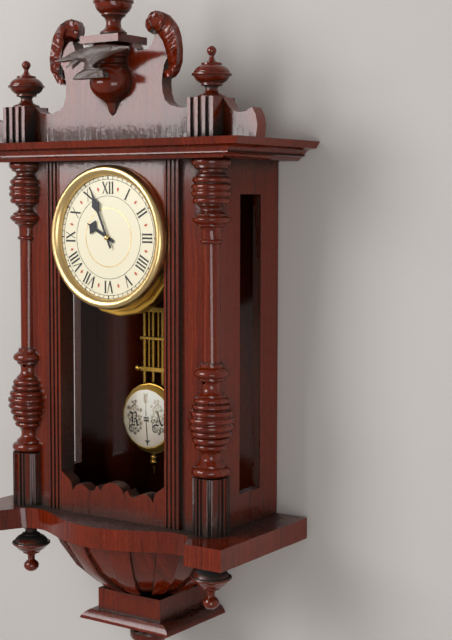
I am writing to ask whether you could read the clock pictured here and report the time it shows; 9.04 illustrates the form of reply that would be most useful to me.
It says 9.56
